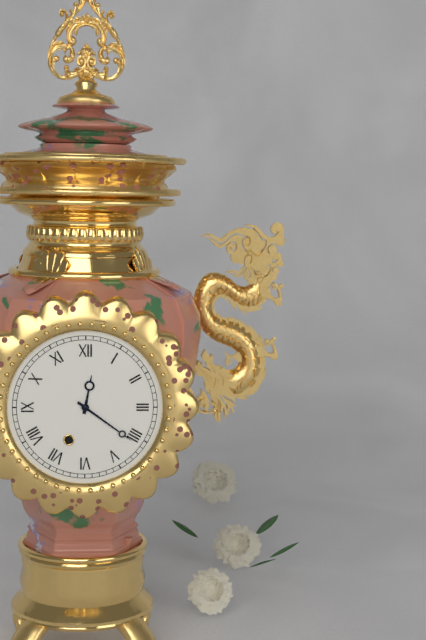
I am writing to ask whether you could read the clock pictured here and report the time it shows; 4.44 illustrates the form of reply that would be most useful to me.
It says 12.21
